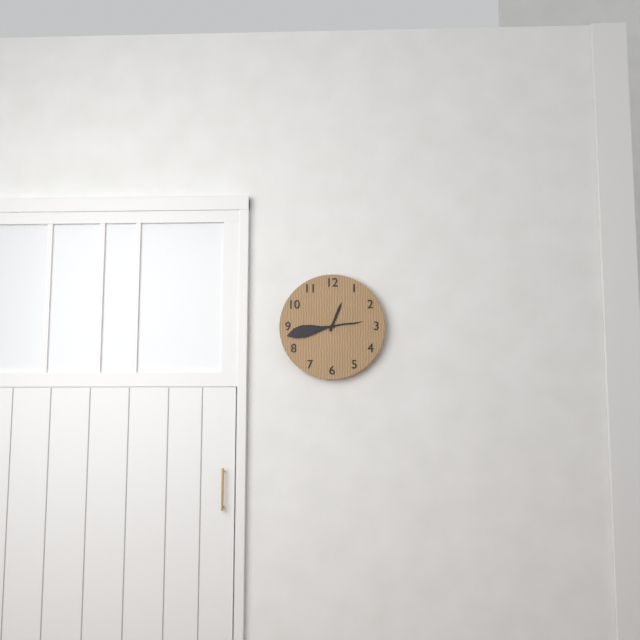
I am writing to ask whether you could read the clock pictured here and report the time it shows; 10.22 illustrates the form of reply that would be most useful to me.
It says 12.43
